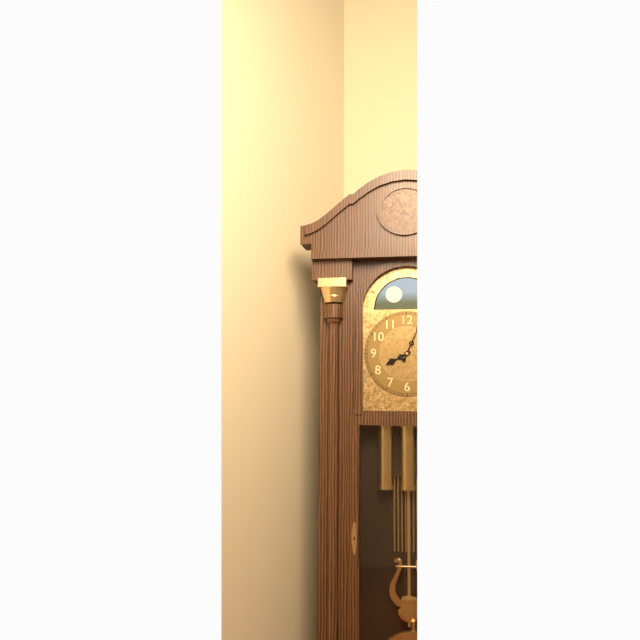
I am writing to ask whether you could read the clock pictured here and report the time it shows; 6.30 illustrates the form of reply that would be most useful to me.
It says 8.04
